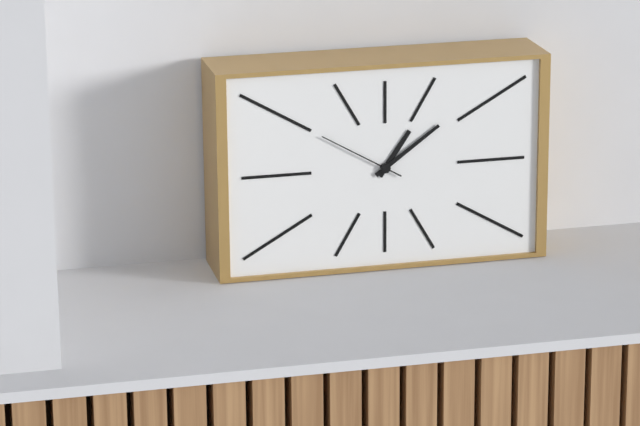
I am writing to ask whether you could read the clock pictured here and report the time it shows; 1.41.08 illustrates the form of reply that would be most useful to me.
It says 1.09.50
